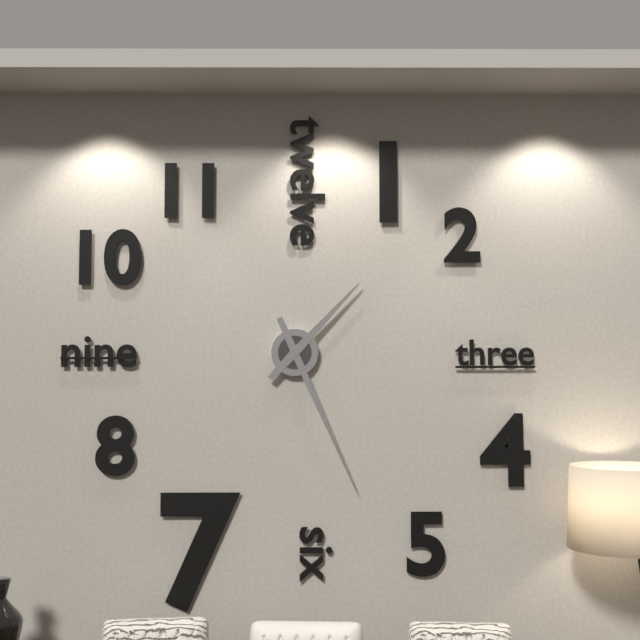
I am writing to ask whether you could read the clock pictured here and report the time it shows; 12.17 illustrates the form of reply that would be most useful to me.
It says 1.26
